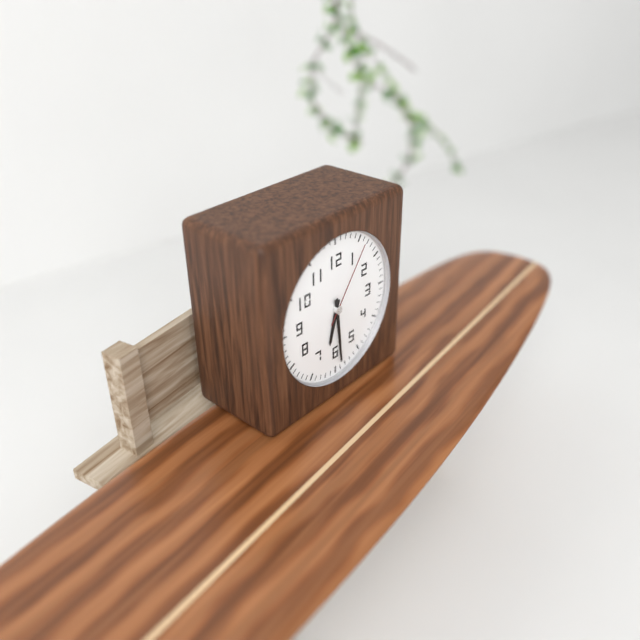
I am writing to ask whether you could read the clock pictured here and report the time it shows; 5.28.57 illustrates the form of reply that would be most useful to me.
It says 6.29.06
